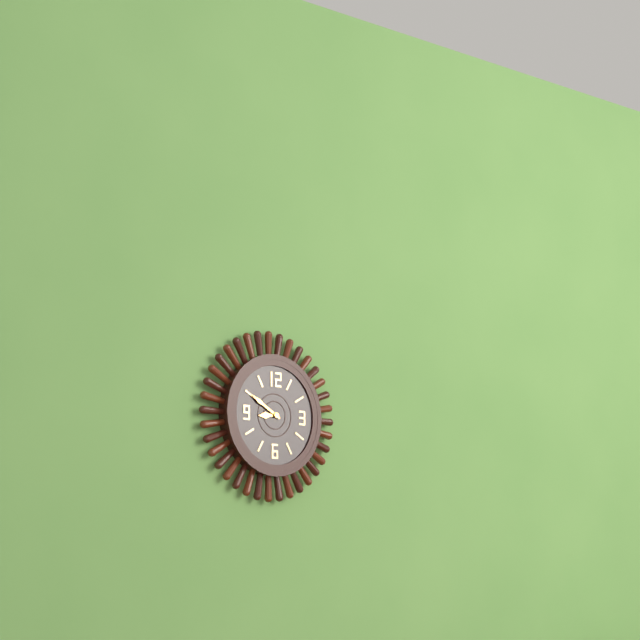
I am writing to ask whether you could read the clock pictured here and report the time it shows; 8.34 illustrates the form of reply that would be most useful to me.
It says 8.50
